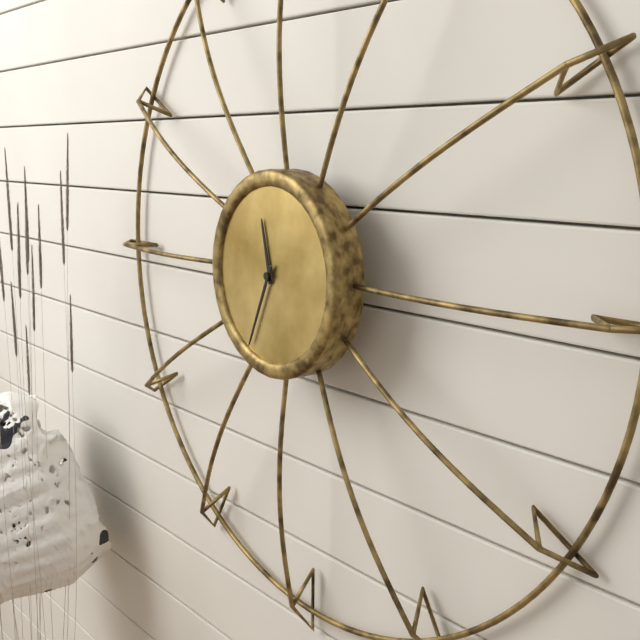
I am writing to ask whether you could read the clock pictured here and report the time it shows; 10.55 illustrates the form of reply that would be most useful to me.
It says 11.34
